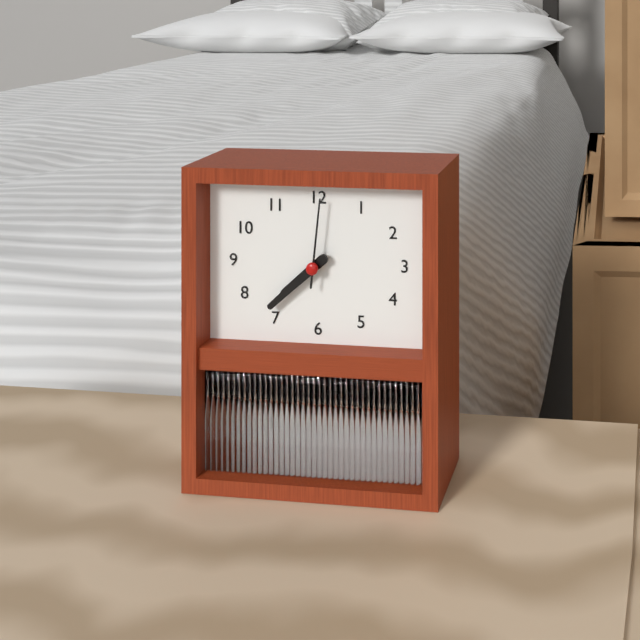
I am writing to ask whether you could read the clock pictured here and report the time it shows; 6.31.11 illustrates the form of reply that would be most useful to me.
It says 7.38.01
